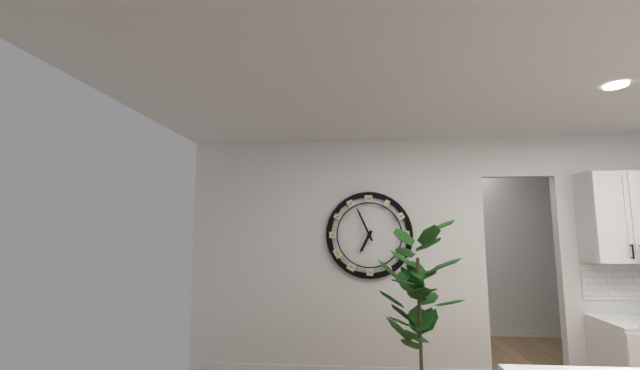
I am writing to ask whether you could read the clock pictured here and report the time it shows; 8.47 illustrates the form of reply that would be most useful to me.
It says 6.56
